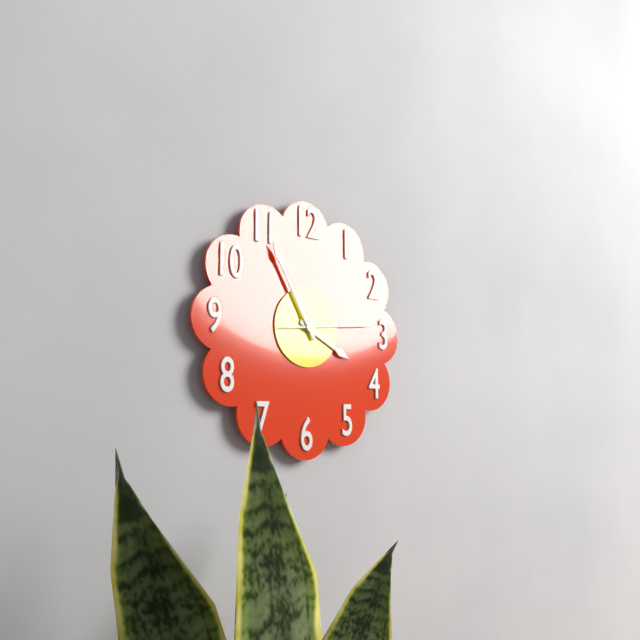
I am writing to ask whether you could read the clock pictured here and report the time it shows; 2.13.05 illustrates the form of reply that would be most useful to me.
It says 3.55.14
